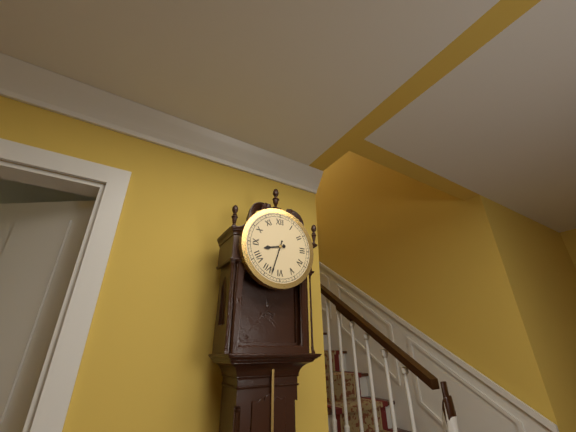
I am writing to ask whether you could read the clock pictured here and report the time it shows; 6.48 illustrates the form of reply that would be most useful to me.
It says 8.33
